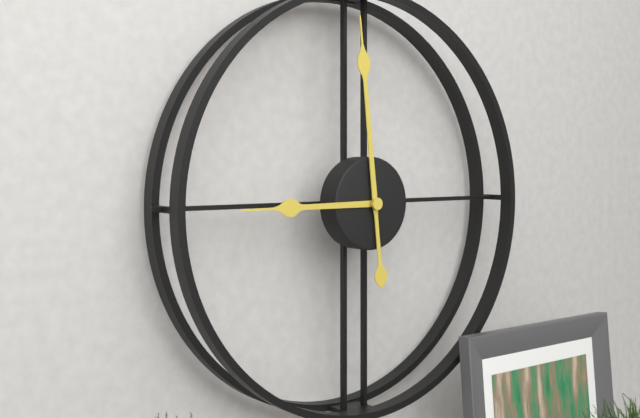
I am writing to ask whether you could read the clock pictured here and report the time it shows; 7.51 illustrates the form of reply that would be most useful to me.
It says 8.59
